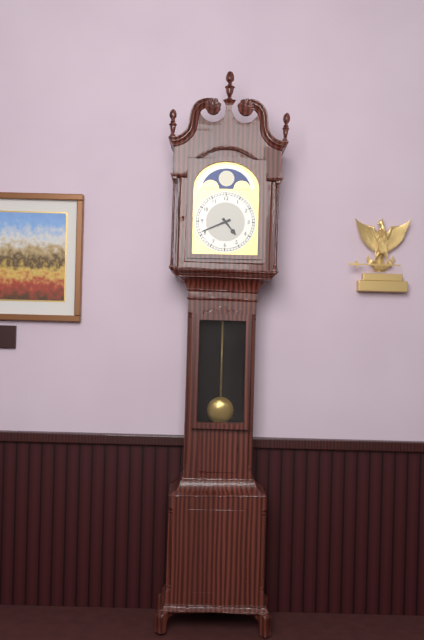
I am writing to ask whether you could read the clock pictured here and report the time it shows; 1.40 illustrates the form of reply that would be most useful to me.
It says 4.41
